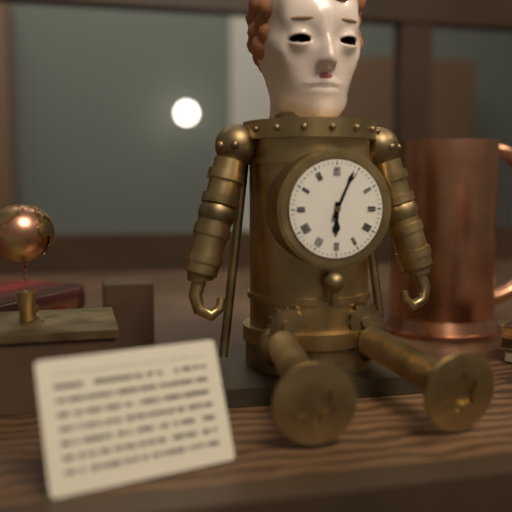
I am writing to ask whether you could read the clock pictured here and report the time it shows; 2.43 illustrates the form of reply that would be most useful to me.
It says 6.04
